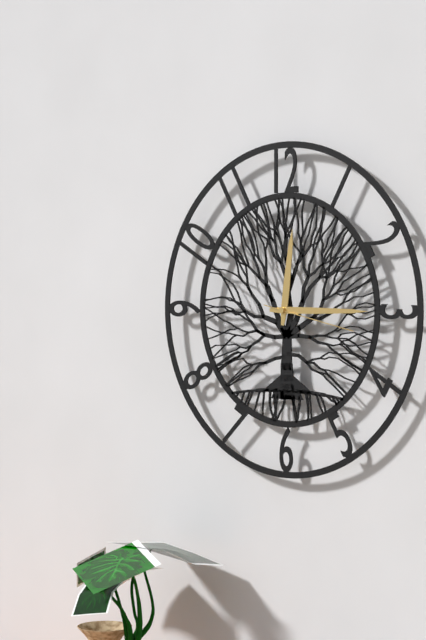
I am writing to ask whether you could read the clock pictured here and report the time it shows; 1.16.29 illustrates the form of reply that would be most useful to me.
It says 12.15.17
